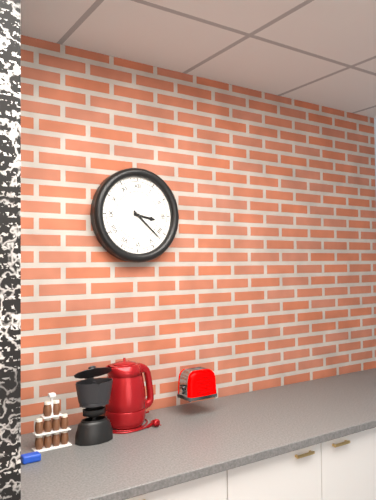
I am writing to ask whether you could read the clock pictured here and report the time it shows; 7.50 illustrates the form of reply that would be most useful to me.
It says 3.22
